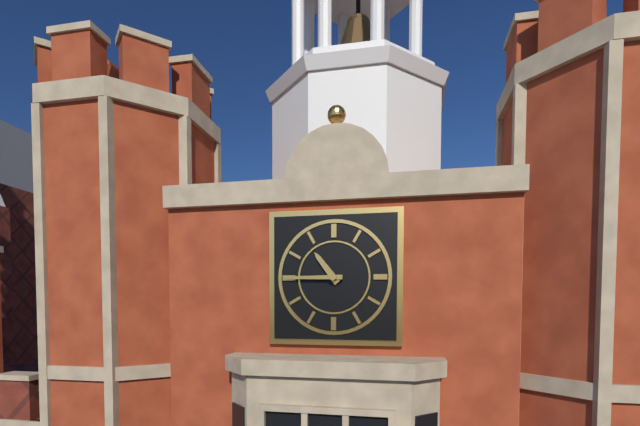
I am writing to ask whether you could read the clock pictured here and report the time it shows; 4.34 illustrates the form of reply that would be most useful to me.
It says 10.45
